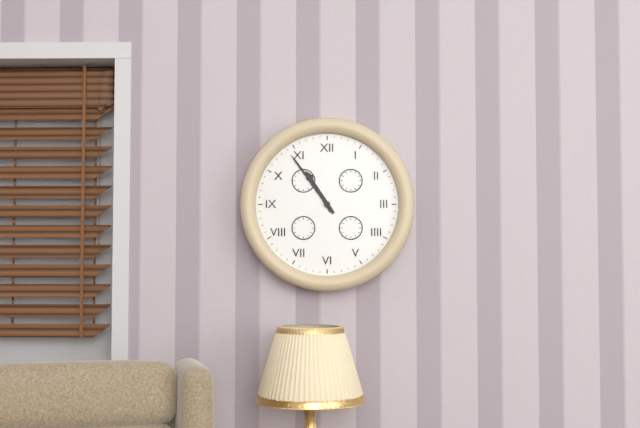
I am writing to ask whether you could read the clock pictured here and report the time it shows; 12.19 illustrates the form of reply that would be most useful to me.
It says 10.54
